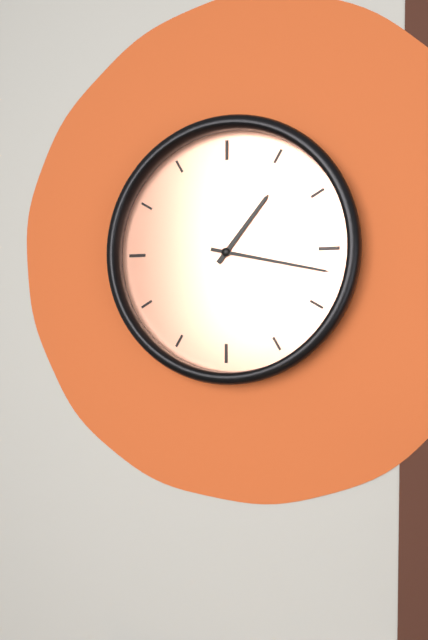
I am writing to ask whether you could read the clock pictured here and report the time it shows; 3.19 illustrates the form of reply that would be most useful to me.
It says 1.17
